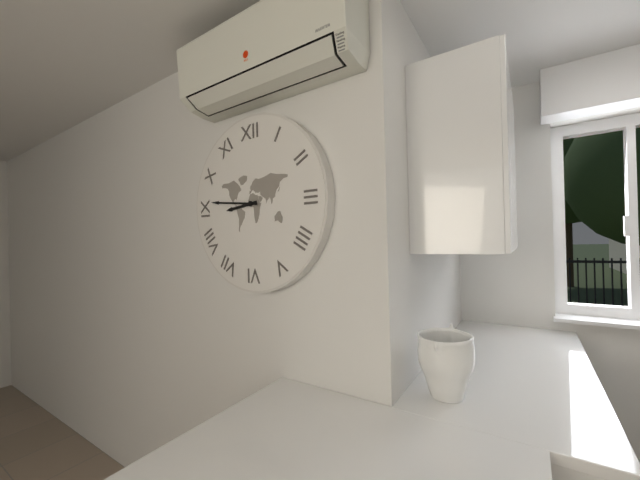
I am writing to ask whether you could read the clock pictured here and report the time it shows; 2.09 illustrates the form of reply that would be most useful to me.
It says 8.46
